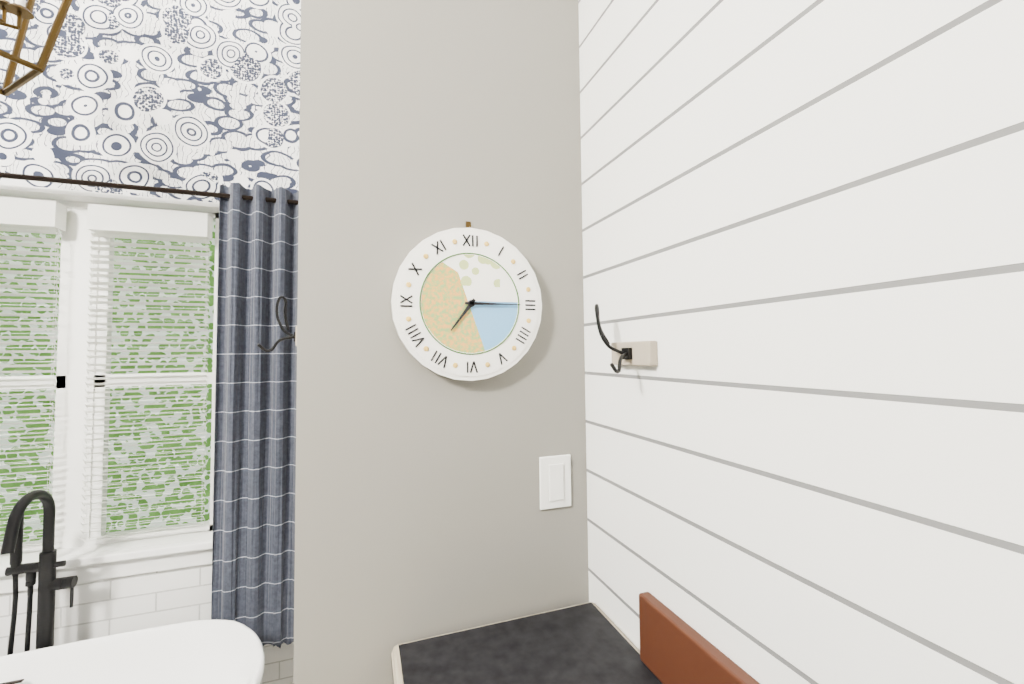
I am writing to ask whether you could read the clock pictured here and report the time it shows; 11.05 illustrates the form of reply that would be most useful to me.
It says 7.15
